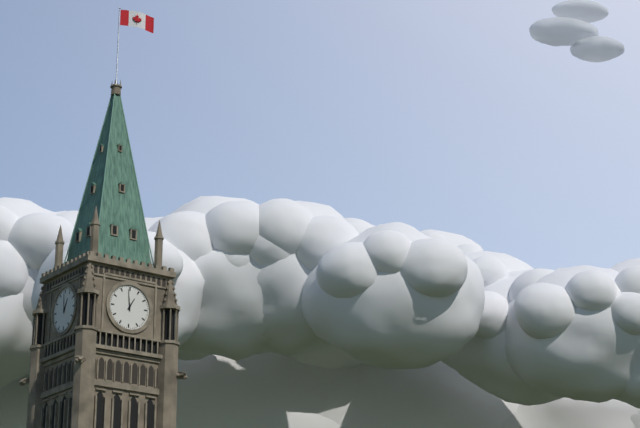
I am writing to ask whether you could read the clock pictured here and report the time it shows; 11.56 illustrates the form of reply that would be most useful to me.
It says 12.59
